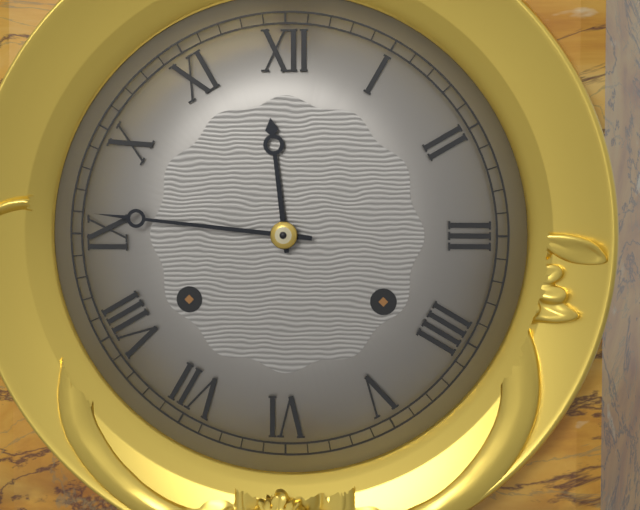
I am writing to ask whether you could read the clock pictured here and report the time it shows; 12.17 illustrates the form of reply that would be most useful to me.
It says 11.46
